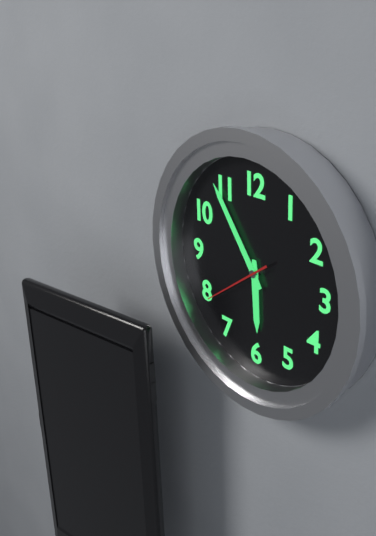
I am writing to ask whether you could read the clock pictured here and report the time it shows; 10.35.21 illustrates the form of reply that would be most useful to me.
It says 5.54.39
